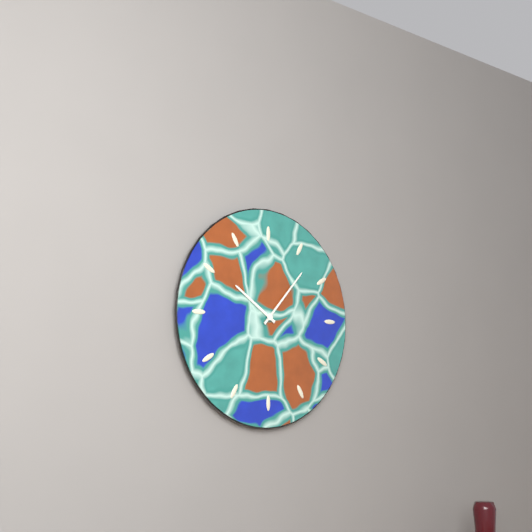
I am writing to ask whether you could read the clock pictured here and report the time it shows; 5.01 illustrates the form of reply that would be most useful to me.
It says 10.07
